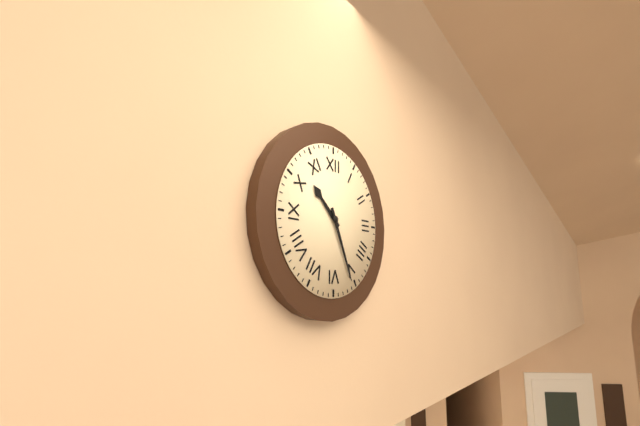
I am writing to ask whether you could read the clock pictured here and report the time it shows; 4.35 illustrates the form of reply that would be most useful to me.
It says 10.26
